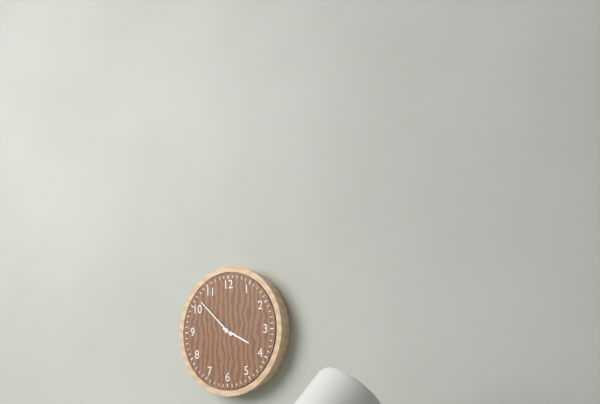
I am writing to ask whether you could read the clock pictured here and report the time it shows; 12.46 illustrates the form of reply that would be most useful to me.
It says 3.52
